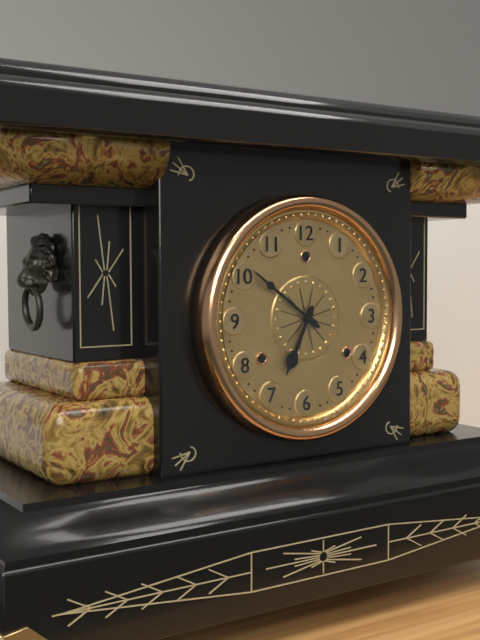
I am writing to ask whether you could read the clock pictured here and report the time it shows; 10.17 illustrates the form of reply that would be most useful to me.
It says 6.51
